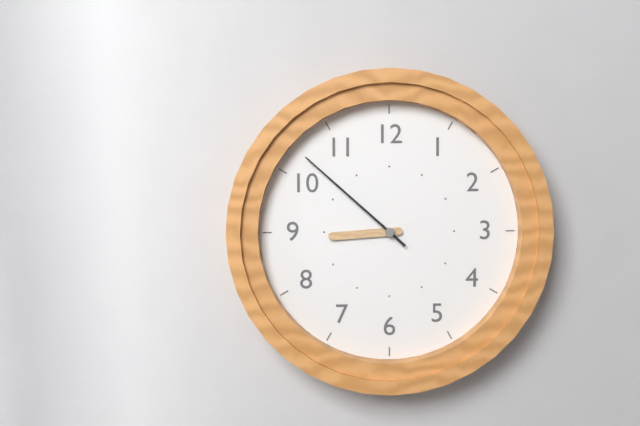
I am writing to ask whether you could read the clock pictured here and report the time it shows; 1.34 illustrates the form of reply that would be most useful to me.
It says 8.52
